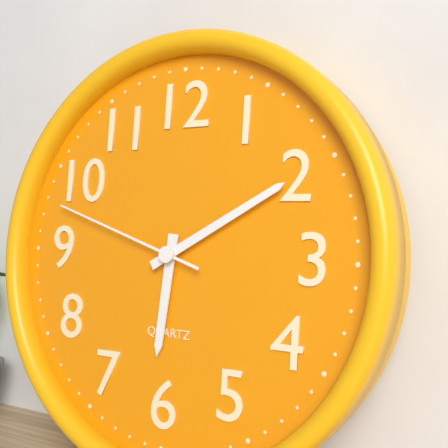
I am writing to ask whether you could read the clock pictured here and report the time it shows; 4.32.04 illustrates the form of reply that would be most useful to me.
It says 6.10.48
